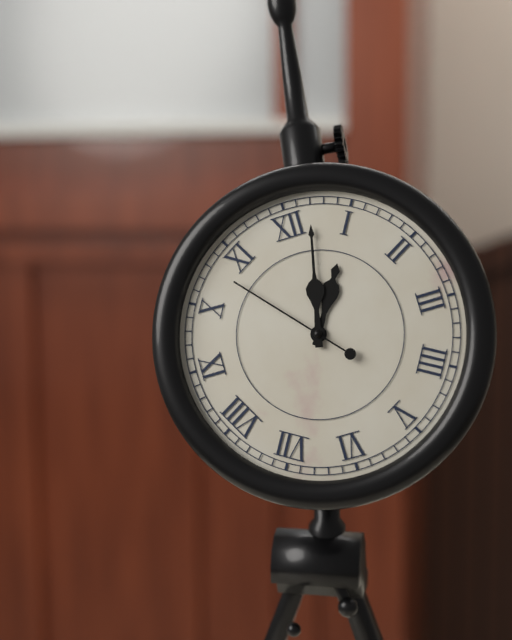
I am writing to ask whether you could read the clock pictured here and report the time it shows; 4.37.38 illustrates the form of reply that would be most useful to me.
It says 1.02.53
